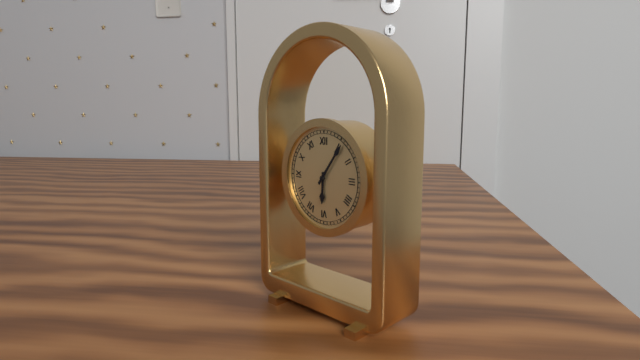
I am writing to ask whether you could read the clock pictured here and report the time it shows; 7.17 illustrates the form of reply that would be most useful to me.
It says 6.06
